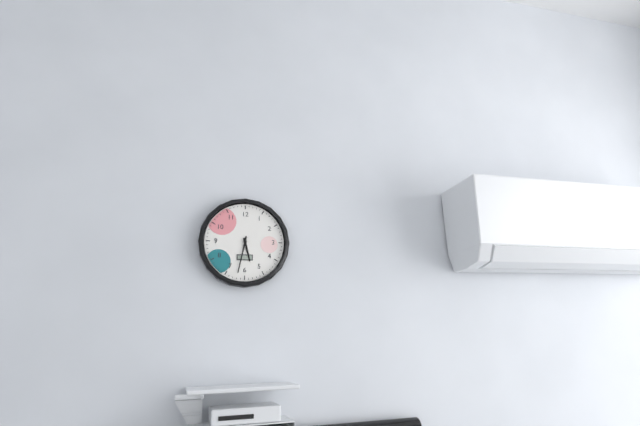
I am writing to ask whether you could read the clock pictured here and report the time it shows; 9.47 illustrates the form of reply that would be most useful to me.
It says 5.32
